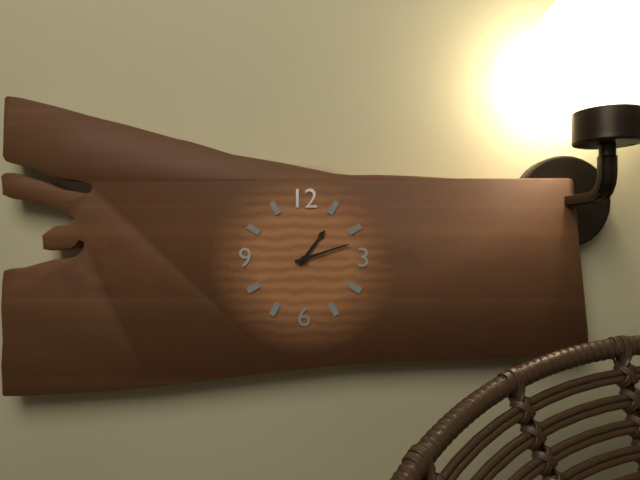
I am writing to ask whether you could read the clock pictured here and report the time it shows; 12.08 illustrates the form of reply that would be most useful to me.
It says 1.12
